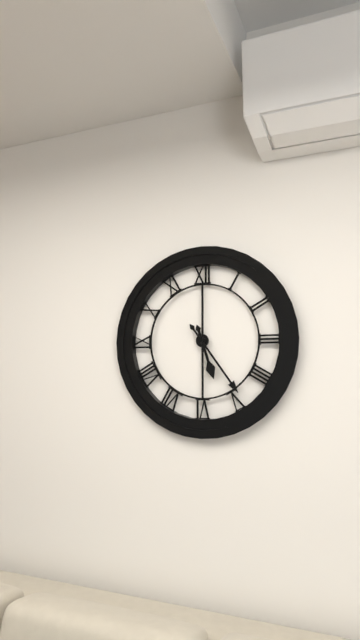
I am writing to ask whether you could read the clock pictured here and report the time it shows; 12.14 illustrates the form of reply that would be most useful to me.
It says 5.24
